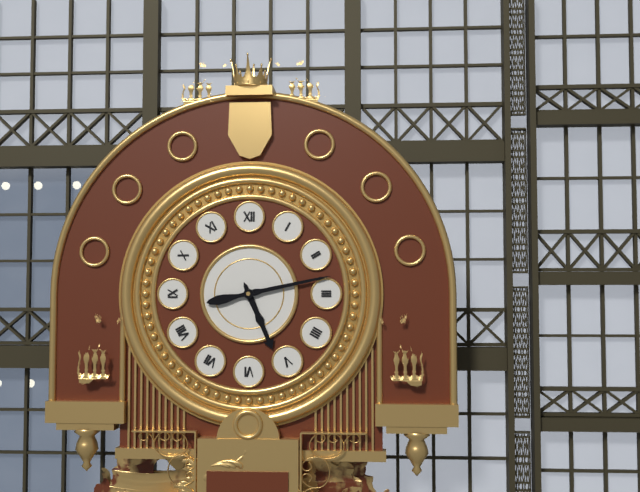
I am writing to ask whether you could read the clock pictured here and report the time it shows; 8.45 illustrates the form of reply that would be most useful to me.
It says 5.13
